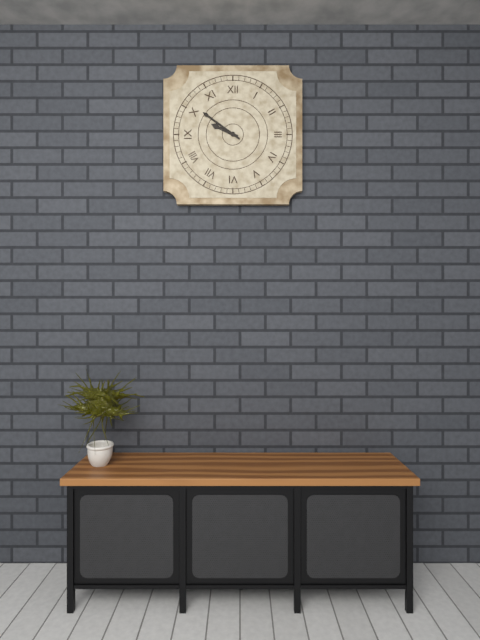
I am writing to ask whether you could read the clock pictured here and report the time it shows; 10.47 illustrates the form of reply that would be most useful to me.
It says 9.51
